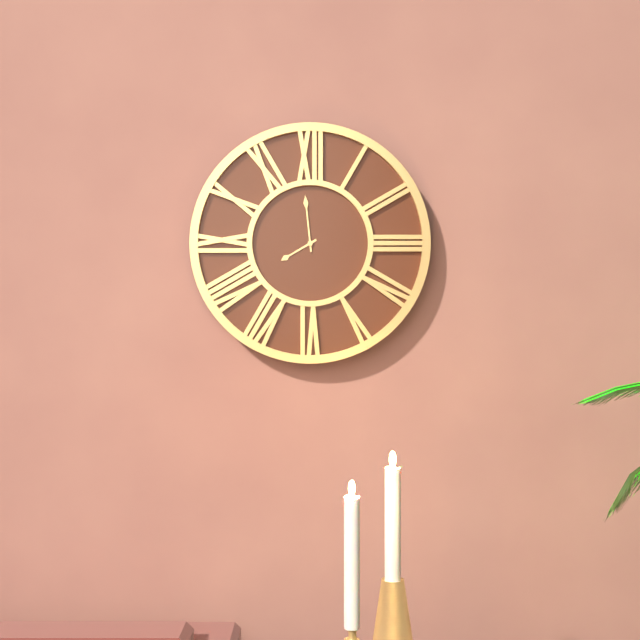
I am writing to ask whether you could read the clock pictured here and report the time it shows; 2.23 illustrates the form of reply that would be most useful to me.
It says 7.59
